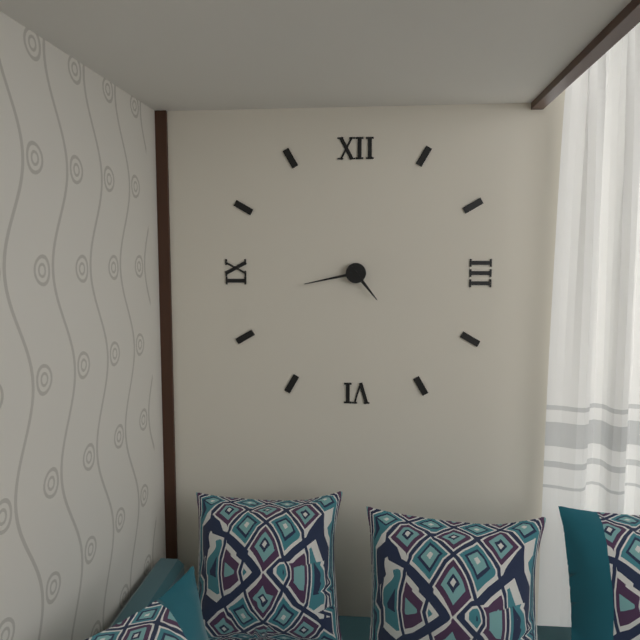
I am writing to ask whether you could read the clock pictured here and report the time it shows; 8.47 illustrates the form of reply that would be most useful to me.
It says 4.43
